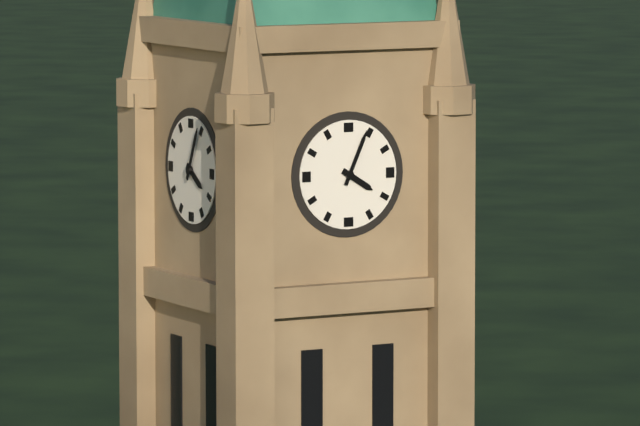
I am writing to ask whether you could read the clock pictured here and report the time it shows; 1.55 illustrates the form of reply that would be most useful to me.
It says 4.04
